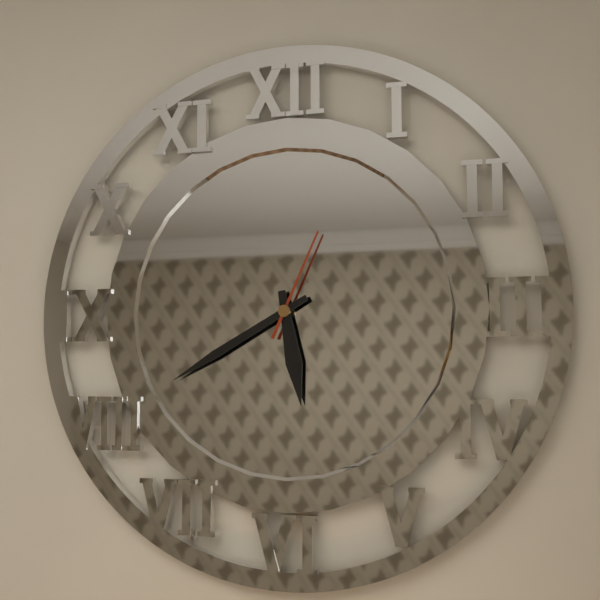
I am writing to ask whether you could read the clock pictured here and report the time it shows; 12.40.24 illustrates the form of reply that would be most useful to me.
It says 5.40.04
